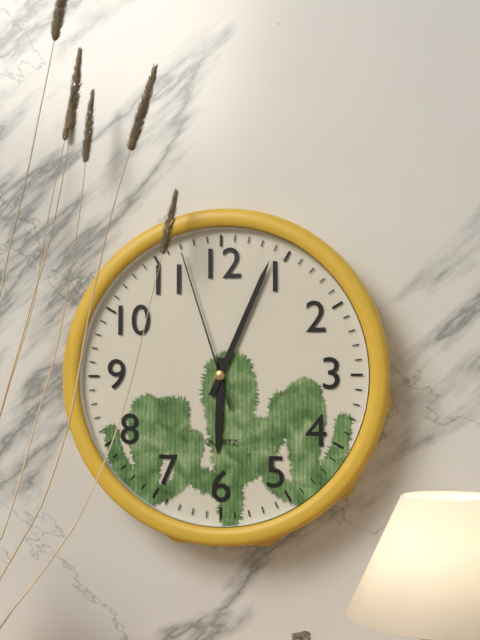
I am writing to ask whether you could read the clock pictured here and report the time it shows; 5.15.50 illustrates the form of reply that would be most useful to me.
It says 6.04.57
